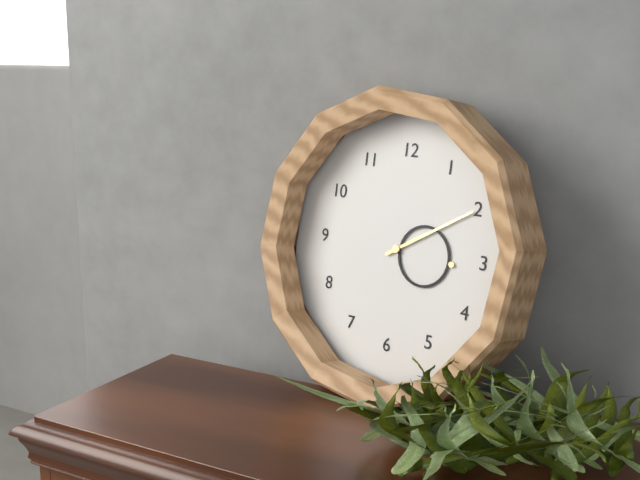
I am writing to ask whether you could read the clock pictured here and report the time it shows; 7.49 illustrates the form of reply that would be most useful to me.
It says 3.10
